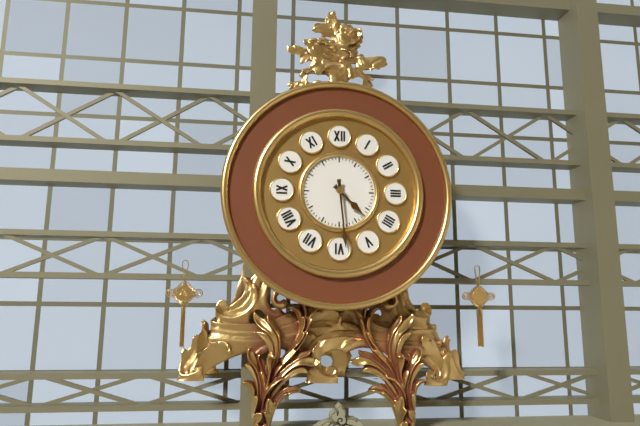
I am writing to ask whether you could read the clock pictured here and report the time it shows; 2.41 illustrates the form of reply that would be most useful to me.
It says 4.29
